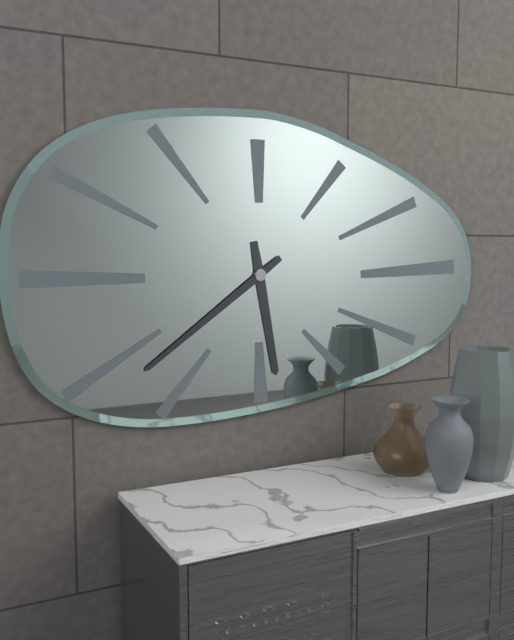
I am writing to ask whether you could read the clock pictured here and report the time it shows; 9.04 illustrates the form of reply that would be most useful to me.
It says 5.39
